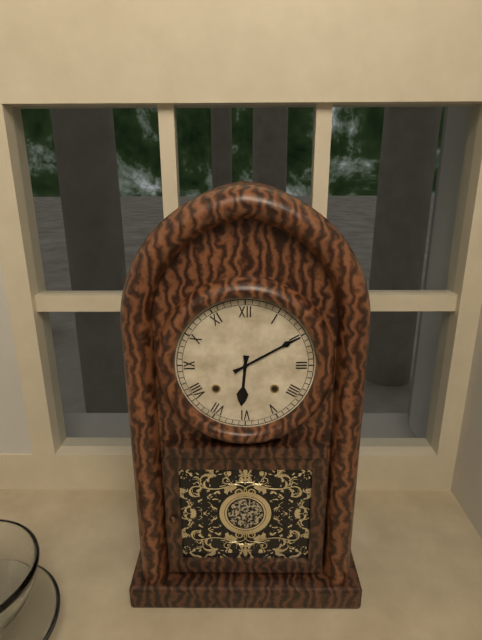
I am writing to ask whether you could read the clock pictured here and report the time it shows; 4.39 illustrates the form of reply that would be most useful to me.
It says 6.10
